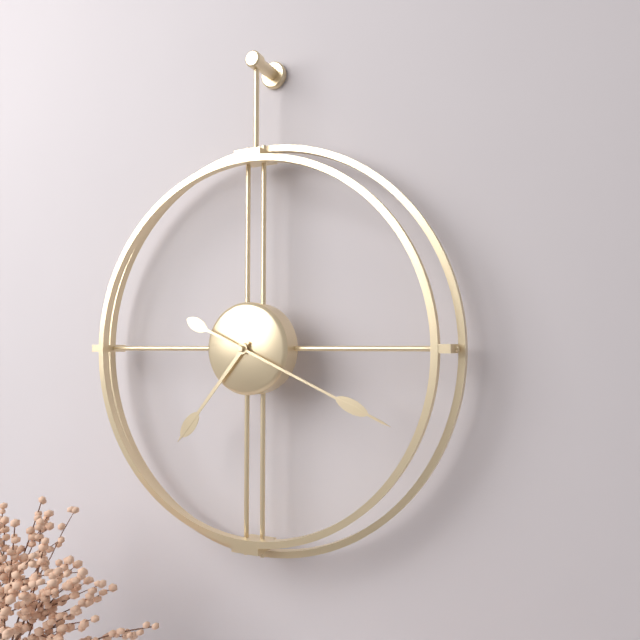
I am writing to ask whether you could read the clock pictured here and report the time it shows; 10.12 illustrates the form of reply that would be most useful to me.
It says 7.19
